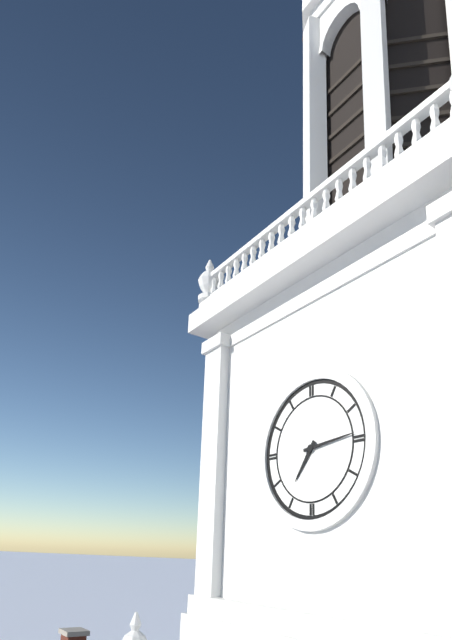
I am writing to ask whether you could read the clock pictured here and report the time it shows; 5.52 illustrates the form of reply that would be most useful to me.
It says 7.14
